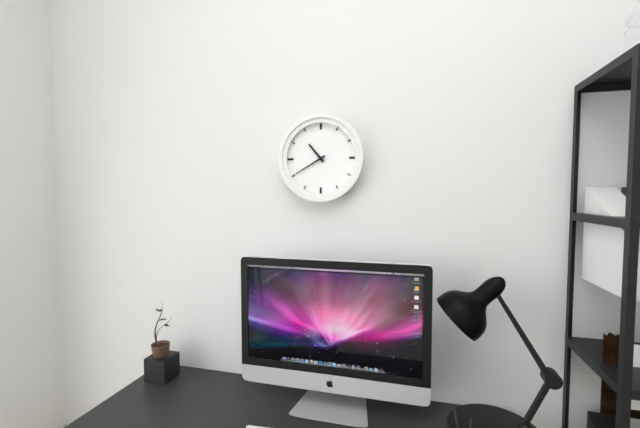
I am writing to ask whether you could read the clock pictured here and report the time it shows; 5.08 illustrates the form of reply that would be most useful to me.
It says 10.40
